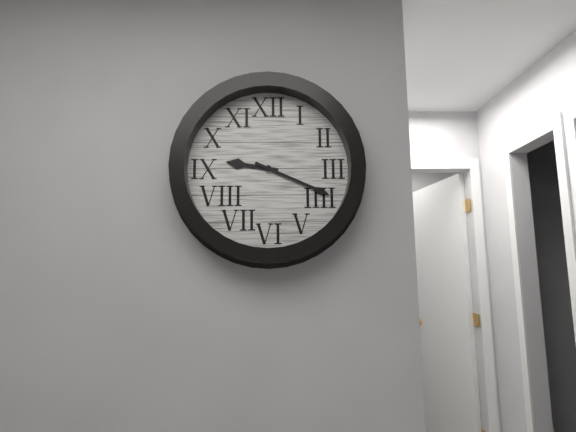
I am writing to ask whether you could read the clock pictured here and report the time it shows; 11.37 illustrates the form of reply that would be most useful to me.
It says 9.19
